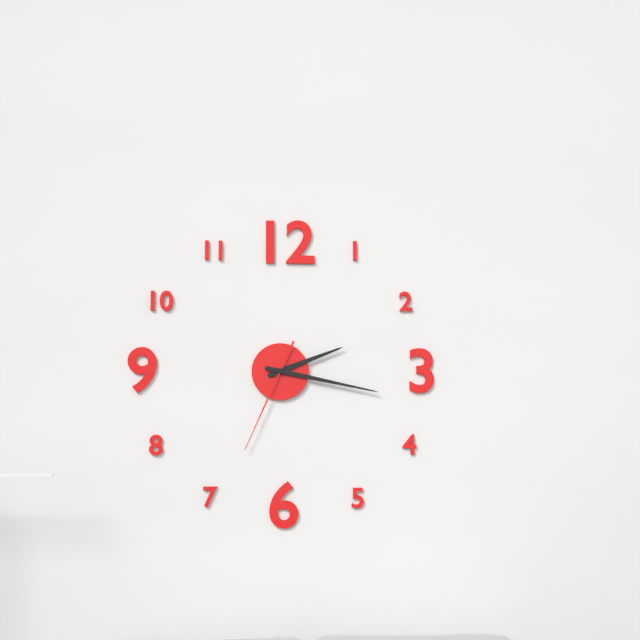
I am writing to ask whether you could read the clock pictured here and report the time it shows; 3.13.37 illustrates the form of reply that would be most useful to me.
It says 2.17.34
